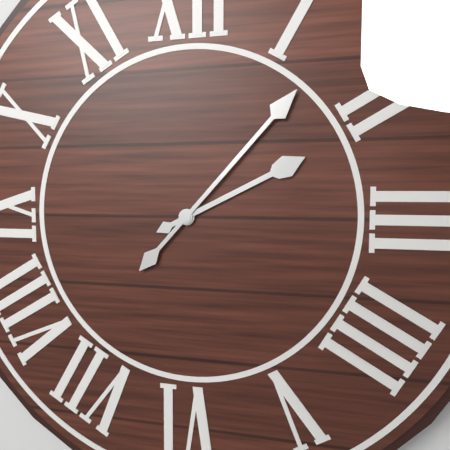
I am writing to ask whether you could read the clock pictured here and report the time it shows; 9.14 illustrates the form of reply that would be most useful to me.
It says 2.07
